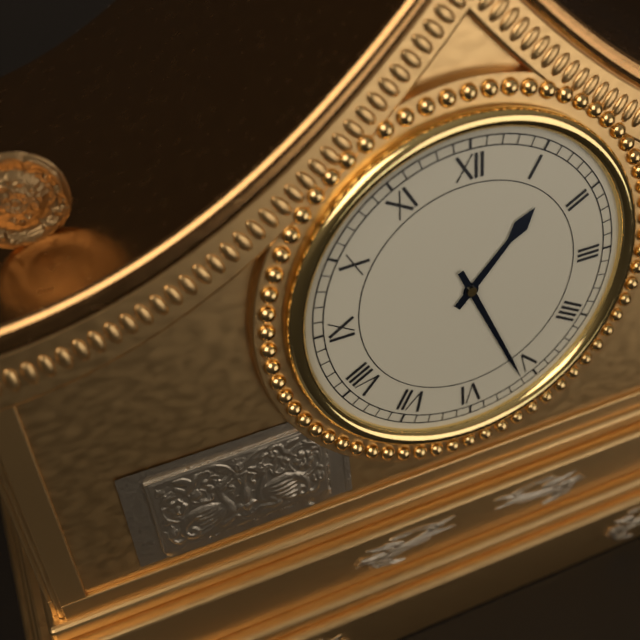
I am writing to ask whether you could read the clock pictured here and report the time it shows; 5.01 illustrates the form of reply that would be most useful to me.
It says 1.26
